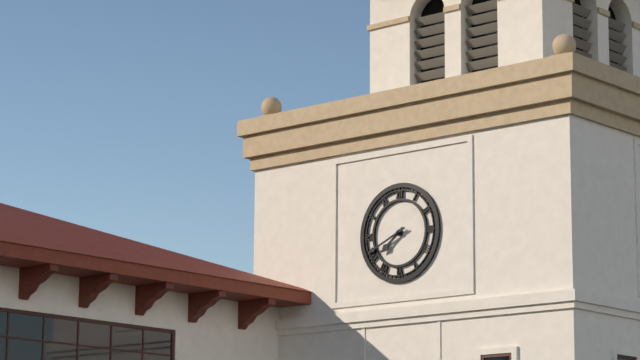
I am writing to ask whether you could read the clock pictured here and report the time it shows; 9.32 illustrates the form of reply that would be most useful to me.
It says 7.41
